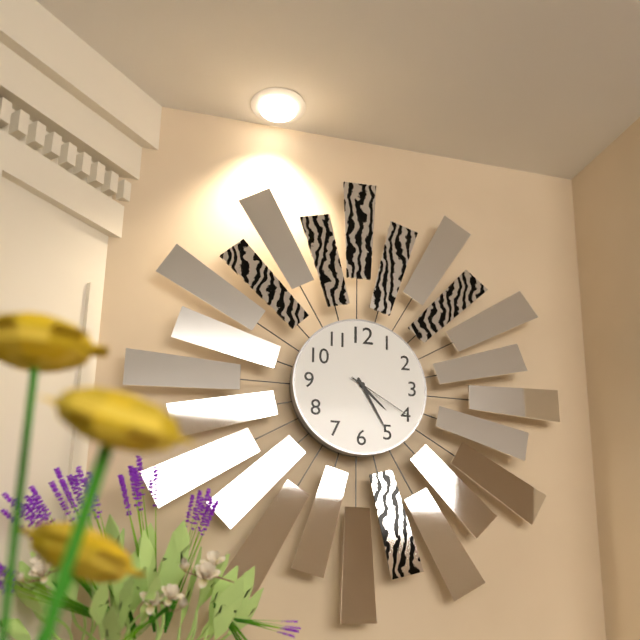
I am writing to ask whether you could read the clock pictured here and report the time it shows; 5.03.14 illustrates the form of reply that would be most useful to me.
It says 4.25.20
